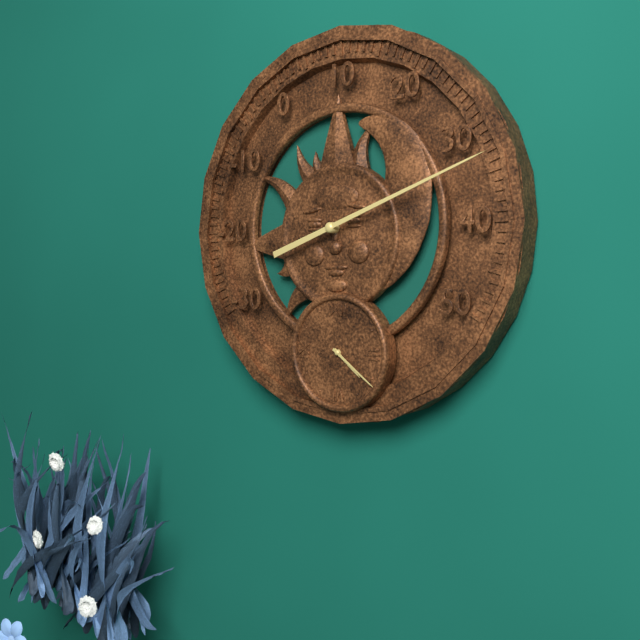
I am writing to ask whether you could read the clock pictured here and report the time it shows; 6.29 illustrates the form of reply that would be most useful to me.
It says 4.21
